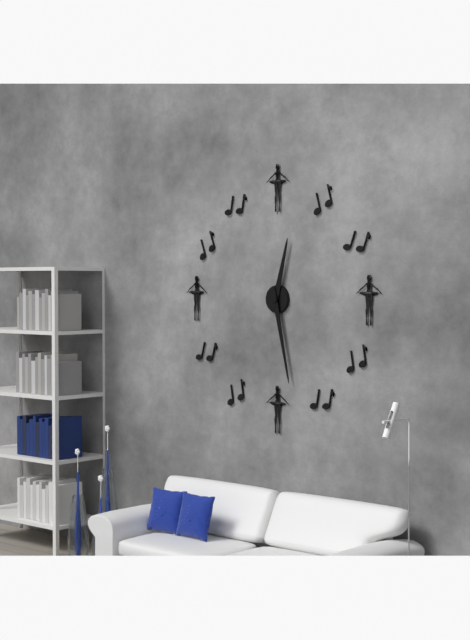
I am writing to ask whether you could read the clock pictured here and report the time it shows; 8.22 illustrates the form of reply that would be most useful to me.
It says 12.28
